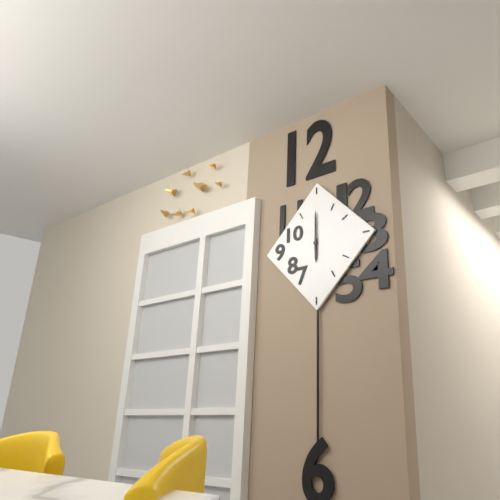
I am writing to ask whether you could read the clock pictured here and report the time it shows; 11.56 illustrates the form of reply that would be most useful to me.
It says 6.00
